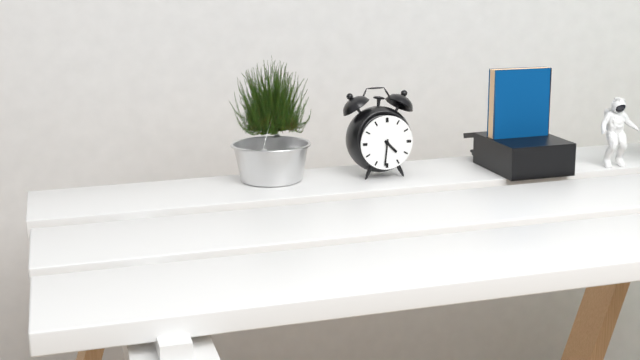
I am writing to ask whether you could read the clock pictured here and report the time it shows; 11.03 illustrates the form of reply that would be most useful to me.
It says 4.31
